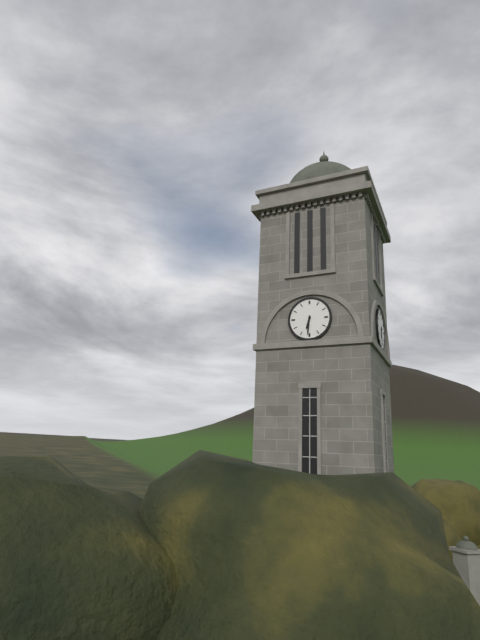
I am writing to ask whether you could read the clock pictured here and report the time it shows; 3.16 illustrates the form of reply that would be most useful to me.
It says 6.31
